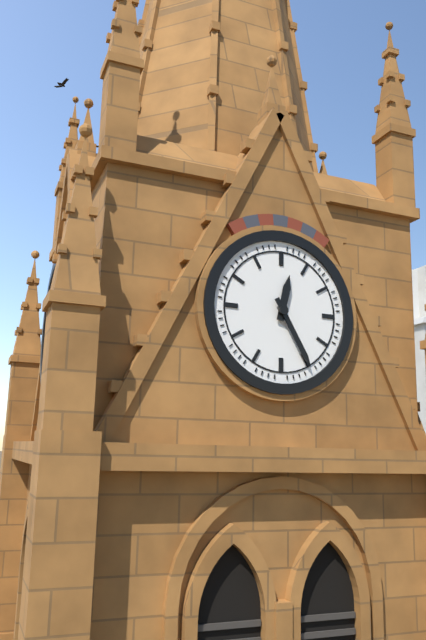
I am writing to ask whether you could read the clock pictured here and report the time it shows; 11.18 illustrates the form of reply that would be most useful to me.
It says 12.25
